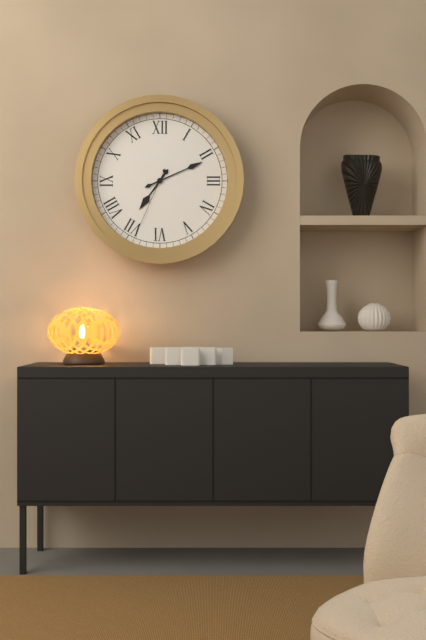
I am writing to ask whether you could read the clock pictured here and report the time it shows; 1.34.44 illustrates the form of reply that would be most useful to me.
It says 7.11.34
